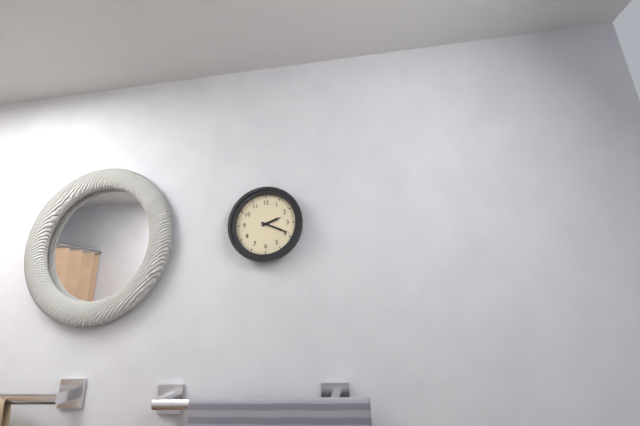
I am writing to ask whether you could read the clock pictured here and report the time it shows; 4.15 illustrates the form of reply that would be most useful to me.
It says 2.19
